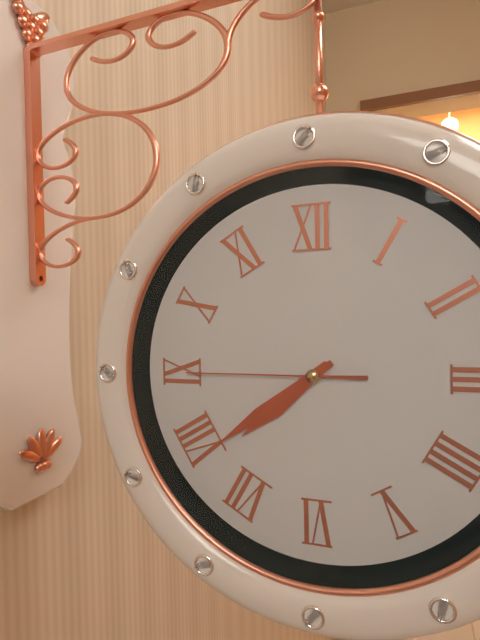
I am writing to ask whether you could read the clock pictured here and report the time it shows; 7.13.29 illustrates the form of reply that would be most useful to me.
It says 7.39.45
